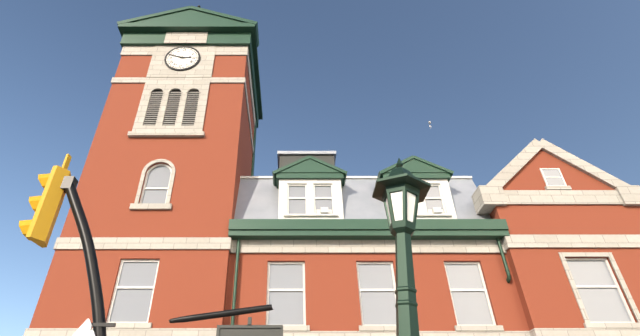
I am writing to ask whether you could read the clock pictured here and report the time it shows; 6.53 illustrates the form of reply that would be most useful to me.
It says 2.48
